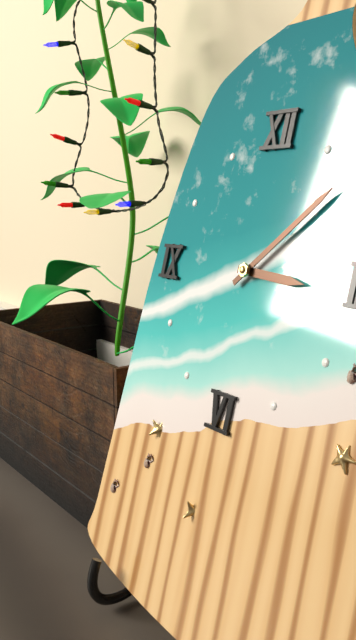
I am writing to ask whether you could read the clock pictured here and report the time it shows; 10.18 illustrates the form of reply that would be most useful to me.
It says 3.08
